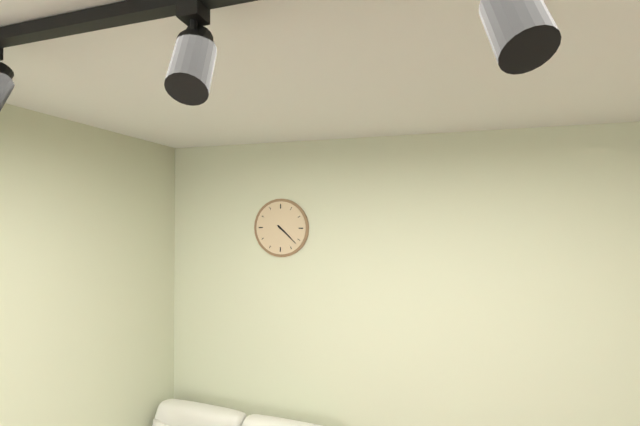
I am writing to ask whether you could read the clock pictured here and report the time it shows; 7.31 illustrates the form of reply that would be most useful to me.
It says 4.22
